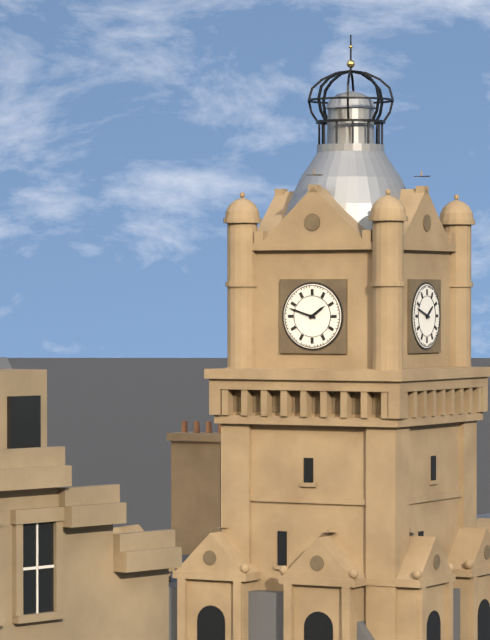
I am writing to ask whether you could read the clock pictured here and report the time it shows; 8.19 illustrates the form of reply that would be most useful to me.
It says 1.48
